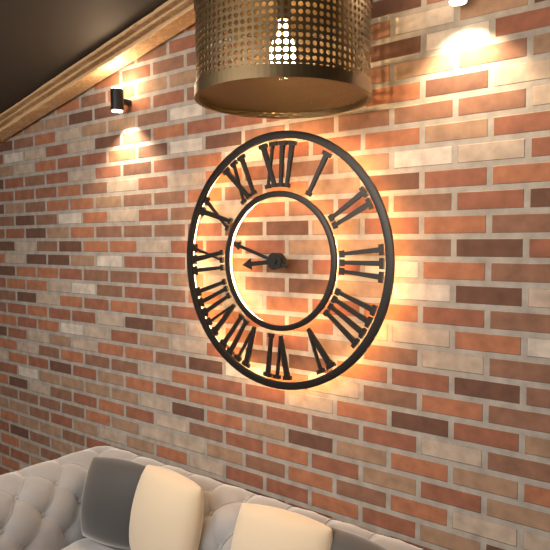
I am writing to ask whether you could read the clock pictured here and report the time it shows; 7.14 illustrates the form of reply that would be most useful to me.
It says 8.48
